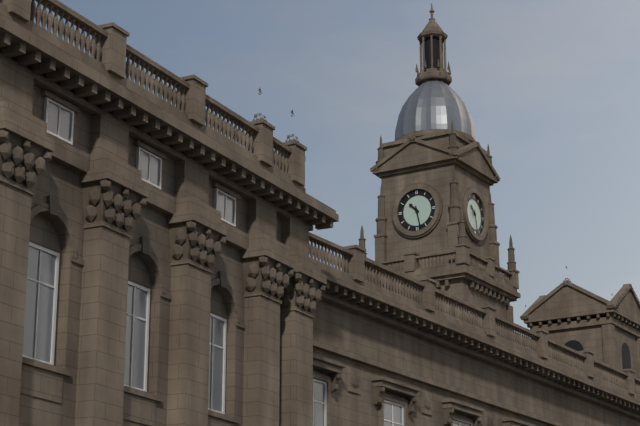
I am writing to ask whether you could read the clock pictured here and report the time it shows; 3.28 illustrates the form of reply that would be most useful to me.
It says 10.28
